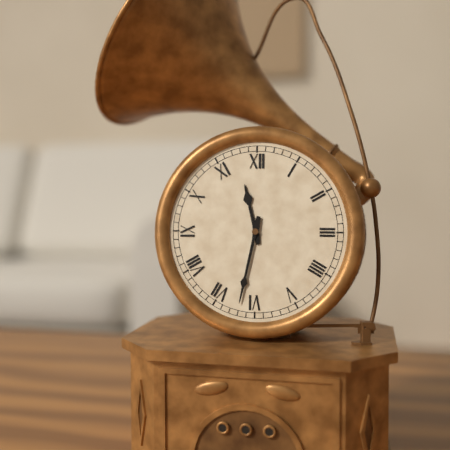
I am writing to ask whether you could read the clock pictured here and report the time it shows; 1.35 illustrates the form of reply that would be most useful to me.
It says 11.32
